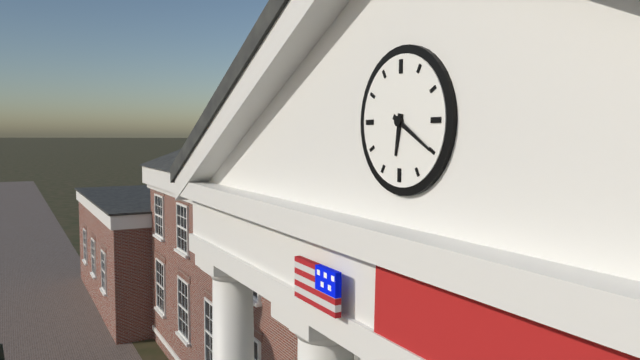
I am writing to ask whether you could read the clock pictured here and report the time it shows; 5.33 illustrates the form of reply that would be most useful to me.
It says 6.20
